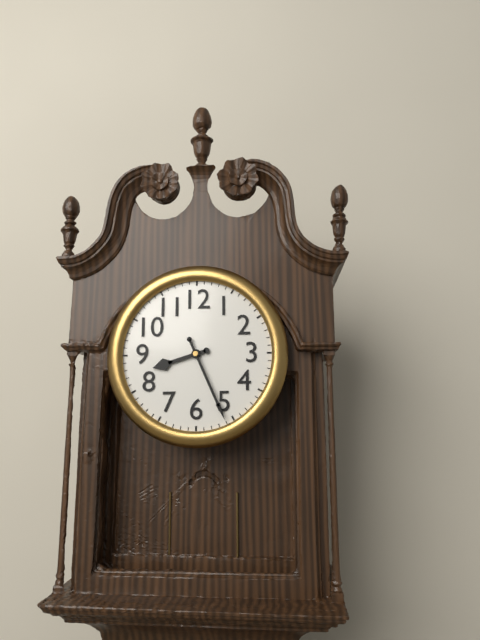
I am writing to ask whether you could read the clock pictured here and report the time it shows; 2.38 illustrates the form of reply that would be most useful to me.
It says 8.26
